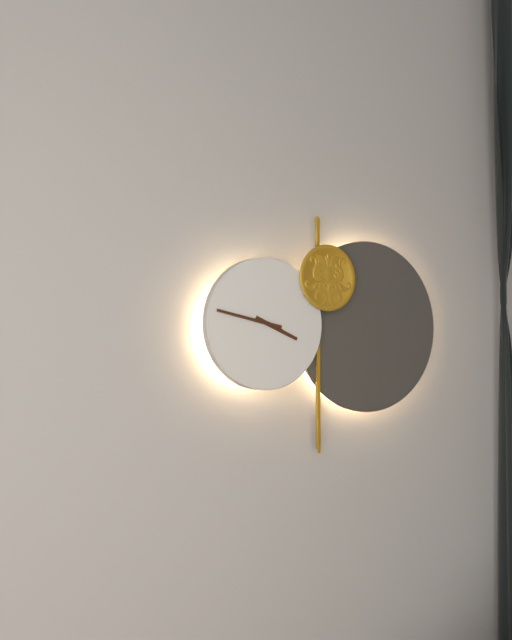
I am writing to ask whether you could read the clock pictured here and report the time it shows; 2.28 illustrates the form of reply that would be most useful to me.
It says 3.47
